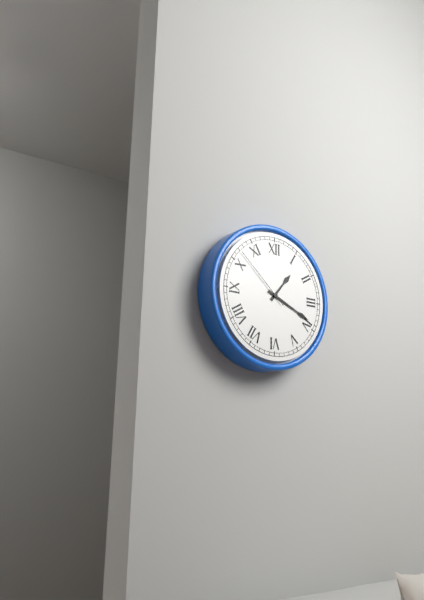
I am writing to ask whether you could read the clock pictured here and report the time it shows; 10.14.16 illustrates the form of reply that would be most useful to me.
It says 1.19.52
